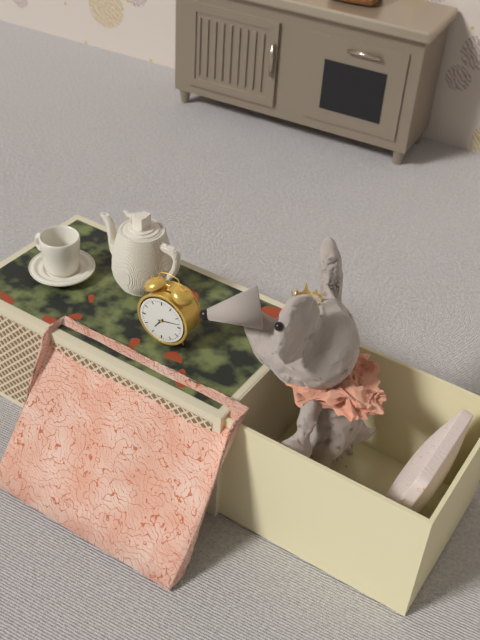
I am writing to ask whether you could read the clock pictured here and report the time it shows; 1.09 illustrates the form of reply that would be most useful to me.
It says 7.13
